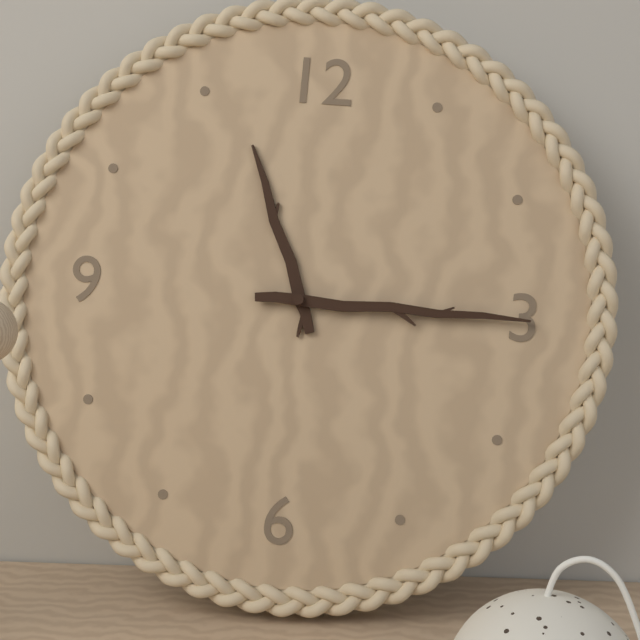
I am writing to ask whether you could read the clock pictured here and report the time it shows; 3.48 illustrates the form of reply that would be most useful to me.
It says 11.15
